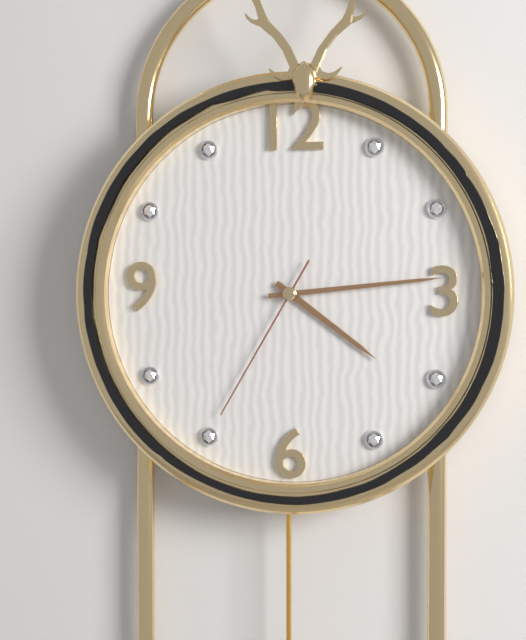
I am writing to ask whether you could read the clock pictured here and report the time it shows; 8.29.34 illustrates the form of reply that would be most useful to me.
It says 4.14.35
